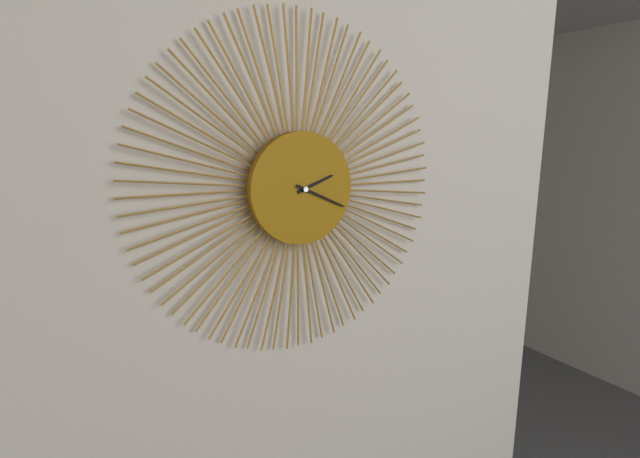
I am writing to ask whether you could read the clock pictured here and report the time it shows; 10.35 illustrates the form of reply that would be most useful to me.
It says 2.19
